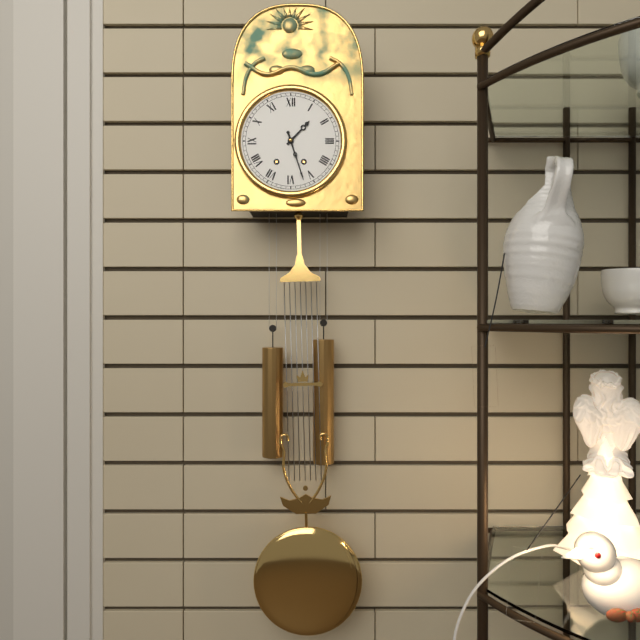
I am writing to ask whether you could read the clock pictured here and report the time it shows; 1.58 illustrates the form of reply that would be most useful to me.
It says 1.27
